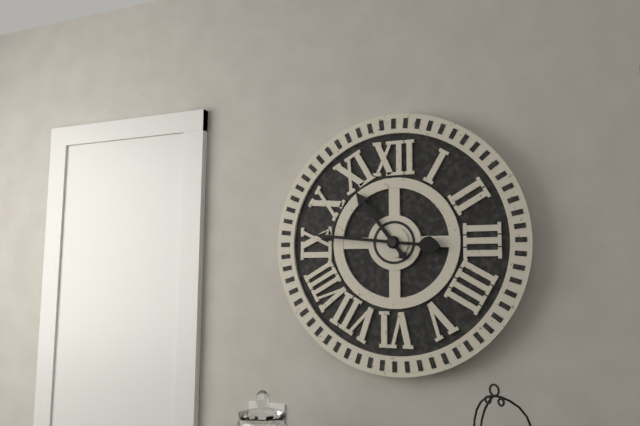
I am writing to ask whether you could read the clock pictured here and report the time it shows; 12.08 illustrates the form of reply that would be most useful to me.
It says 10.46
